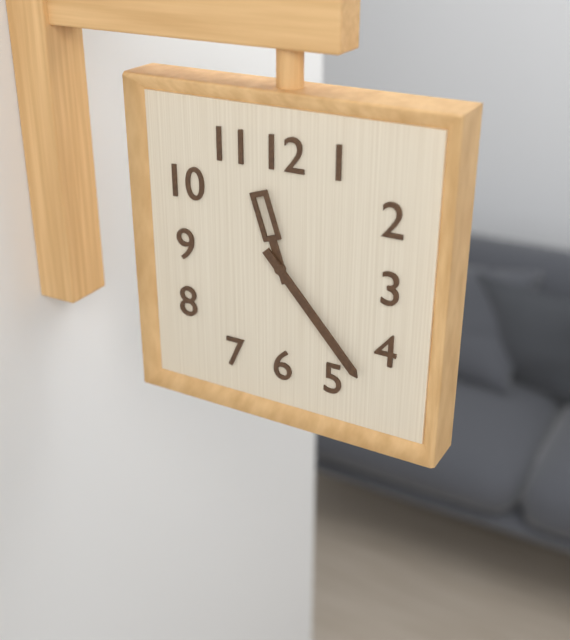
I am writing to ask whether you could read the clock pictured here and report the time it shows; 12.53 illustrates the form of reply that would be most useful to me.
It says 11.23
